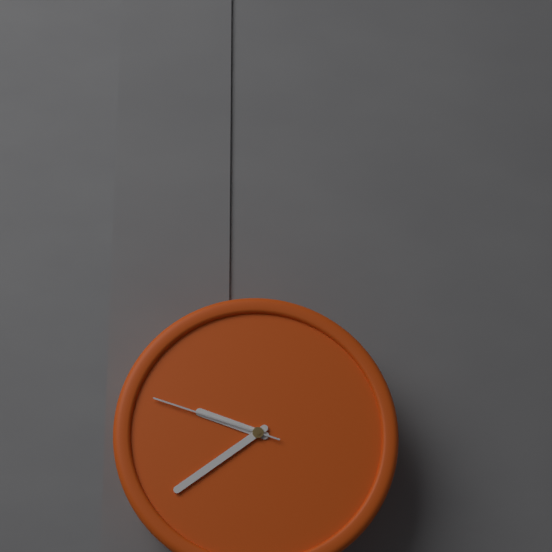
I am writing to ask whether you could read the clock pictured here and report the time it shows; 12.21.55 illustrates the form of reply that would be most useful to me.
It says 9.39.48
